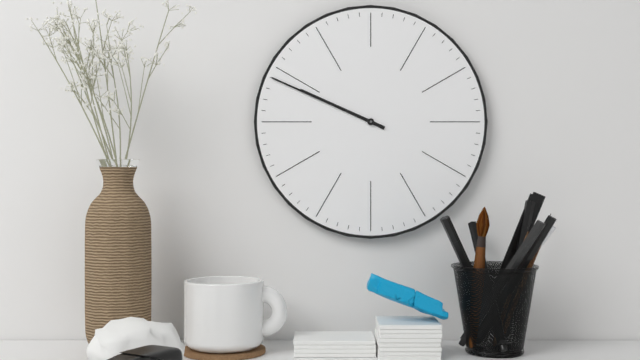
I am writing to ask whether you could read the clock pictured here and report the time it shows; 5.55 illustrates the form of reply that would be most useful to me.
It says 9.49
